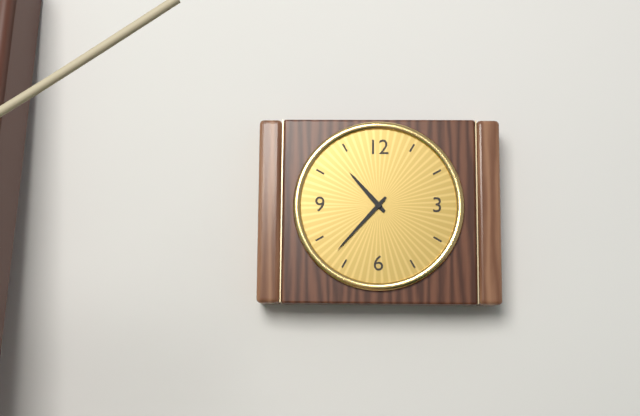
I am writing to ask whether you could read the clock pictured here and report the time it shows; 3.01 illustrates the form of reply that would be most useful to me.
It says 10.37
